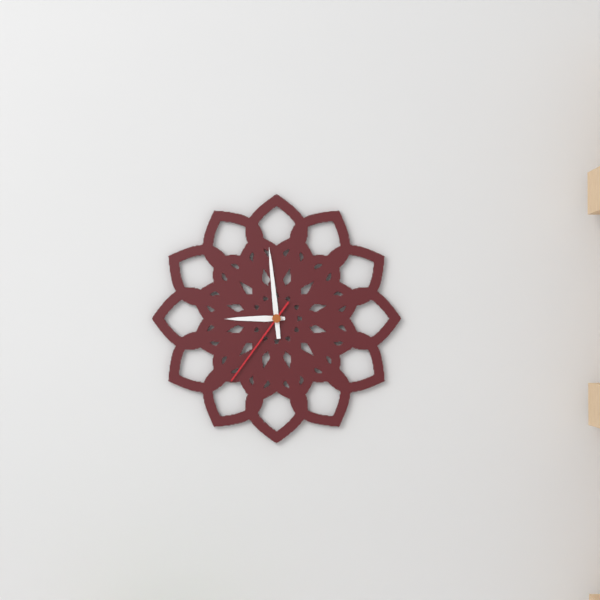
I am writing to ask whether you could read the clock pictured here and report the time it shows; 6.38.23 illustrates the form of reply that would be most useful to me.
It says 8.59.36
